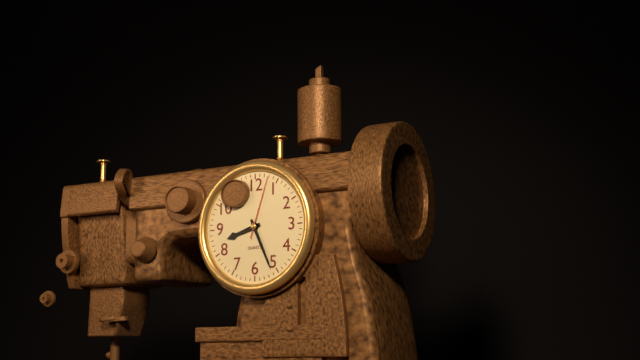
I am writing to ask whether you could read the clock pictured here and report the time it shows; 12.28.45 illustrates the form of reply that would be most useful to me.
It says 8.26.03
